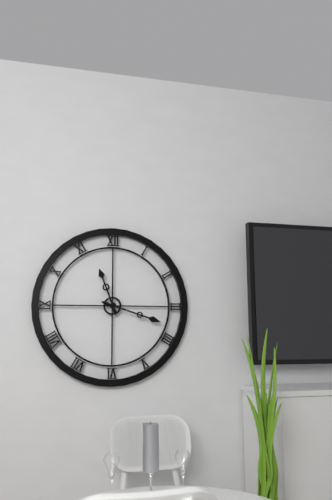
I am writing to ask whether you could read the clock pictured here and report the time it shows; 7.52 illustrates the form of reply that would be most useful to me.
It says 11.18
